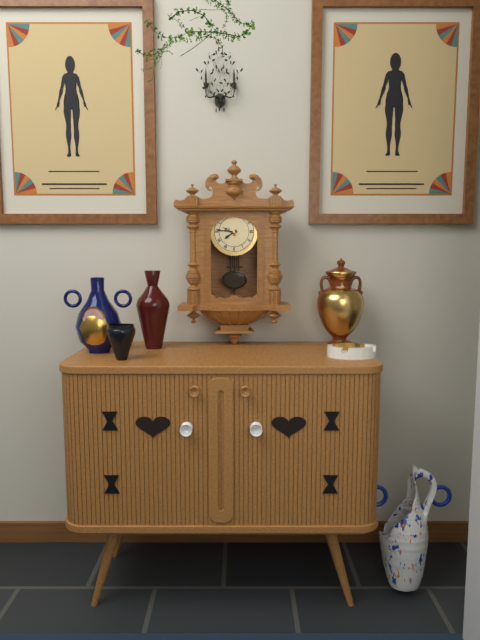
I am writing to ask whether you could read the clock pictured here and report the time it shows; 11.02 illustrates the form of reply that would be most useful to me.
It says 7.46
